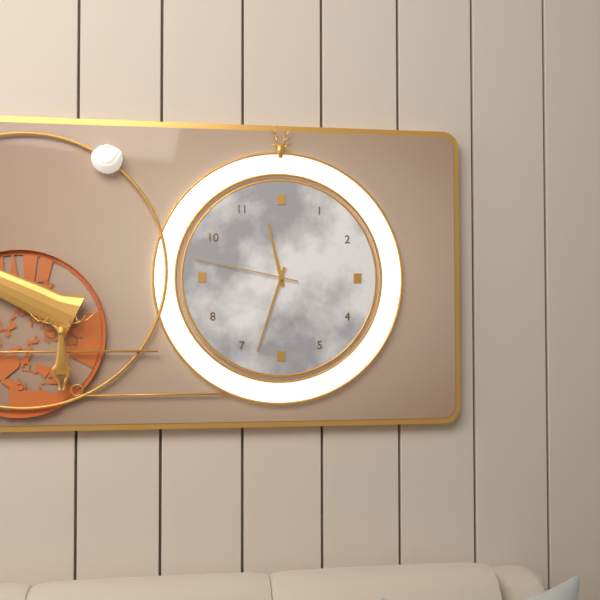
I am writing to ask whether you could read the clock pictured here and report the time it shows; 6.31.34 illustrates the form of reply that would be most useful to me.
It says 11.33.47
